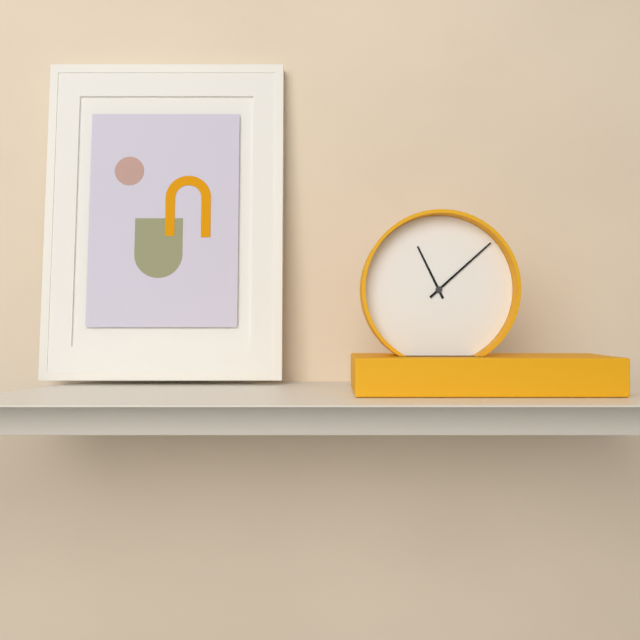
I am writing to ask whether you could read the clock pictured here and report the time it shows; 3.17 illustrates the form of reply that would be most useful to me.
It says 11.08
